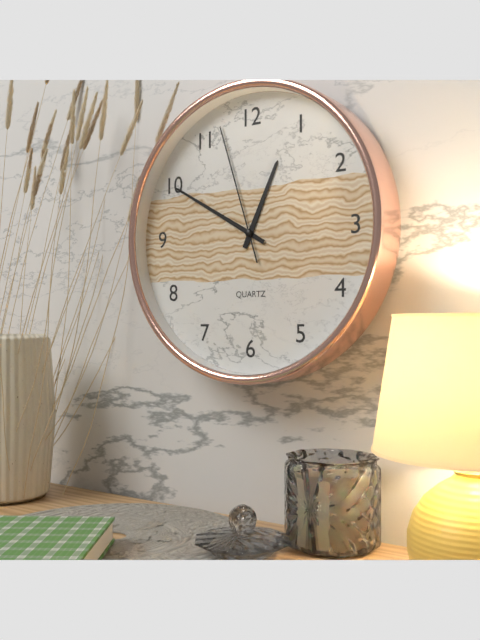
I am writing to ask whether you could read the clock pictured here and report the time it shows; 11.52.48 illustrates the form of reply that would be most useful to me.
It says 12.50.57
